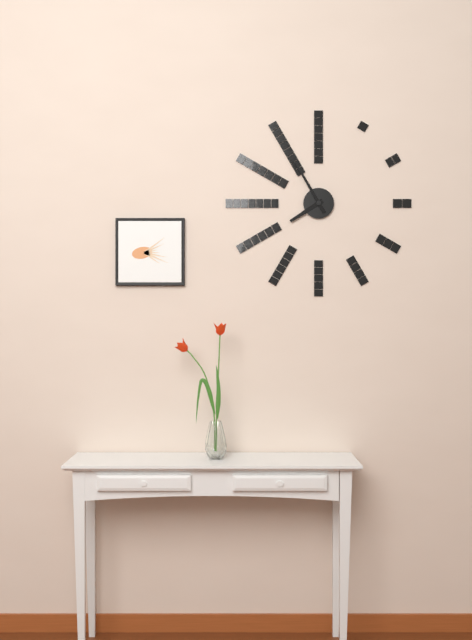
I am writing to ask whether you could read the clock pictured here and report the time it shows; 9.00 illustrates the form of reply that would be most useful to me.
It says 7.55
